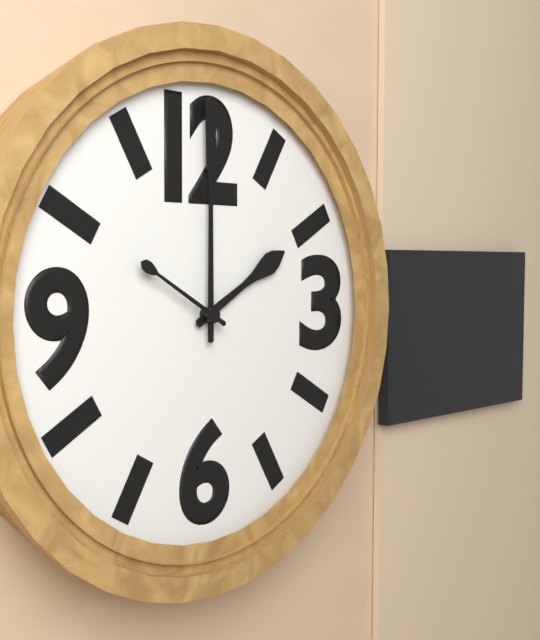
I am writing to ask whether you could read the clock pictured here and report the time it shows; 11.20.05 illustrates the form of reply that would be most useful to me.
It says 2.00.50
